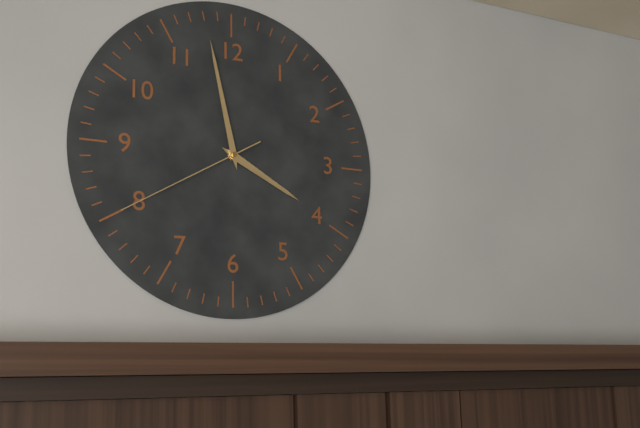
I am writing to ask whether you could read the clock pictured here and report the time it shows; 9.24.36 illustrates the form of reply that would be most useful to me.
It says 3.58.40
